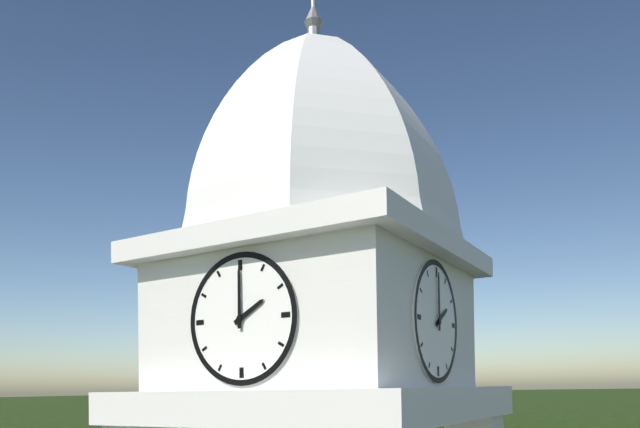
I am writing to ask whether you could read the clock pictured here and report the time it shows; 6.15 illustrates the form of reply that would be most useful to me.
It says 2.00
